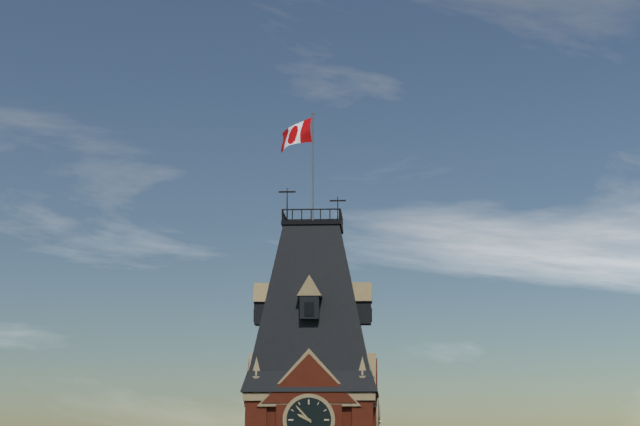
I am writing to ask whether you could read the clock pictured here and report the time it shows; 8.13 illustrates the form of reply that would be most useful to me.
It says 9.53
